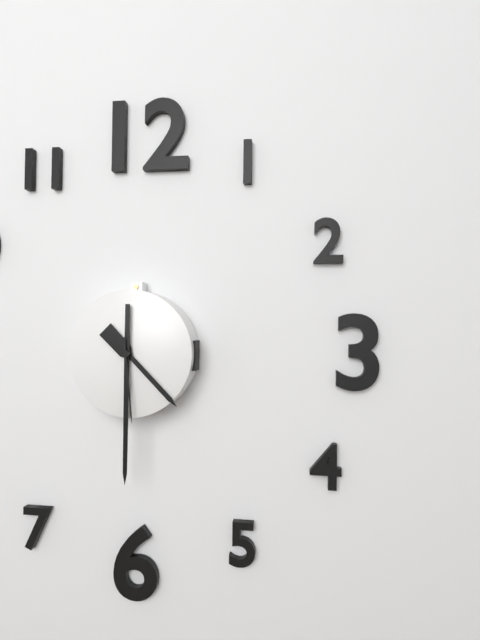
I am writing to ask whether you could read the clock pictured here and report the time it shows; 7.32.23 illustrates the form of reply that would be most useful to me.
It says 4.30.29
